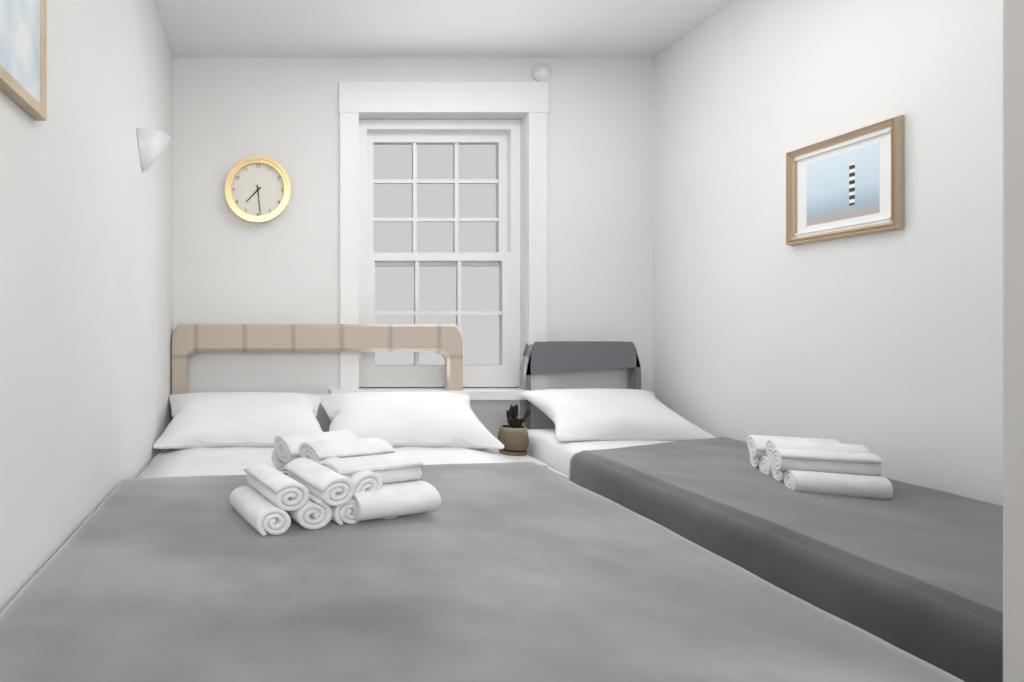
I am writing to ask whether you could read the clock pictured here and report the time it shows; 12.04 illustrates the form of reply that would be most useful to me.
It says 7.29
